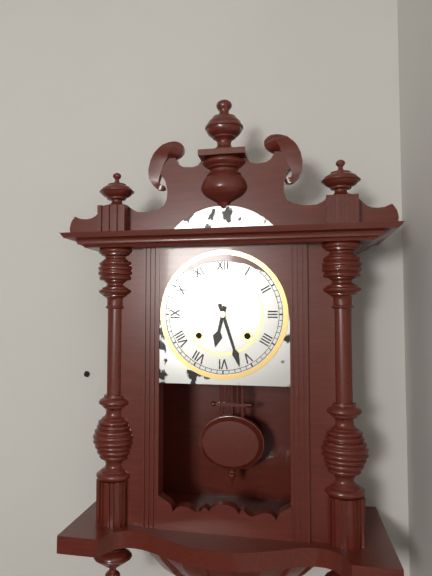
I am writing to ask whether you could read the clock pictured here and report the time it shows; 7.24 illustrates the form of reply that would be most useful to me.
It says 6.27
